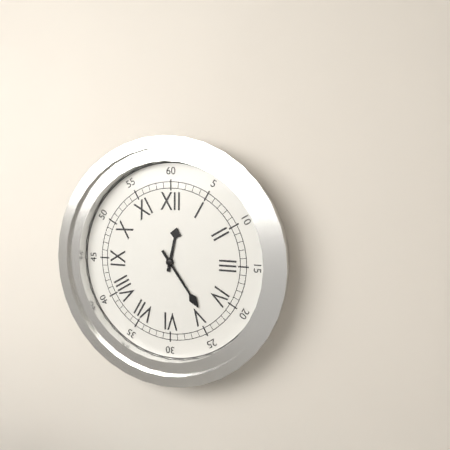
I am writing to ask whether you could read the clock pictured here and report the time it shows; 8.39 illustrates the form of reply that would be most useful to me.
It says 12.24
